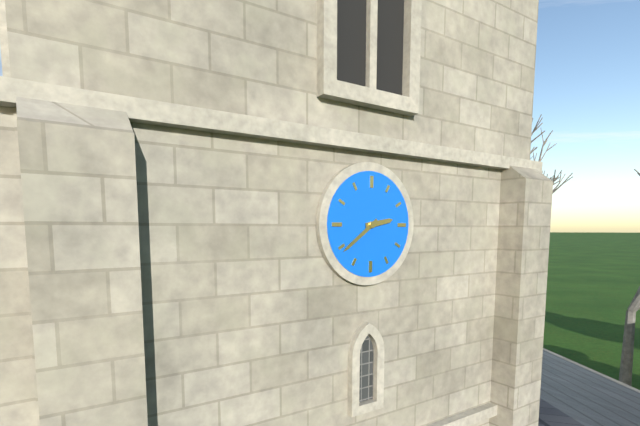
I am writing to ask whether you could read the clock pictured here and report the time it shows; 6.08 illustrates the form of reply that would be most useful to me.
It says 2.39
